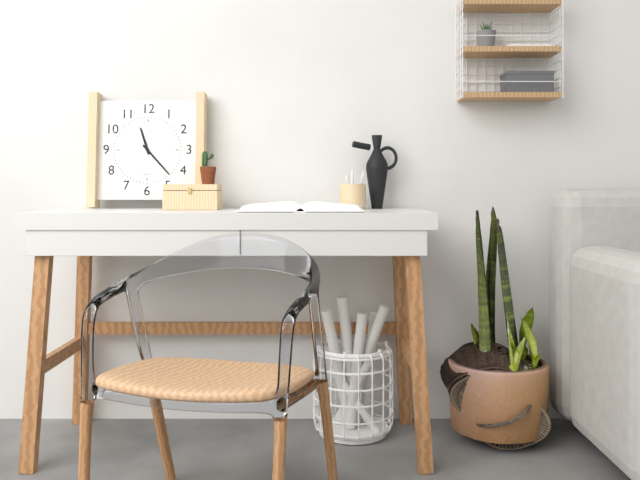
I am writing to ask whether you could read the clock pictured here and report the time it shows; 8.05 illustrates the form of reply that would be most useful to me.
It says 11.23
